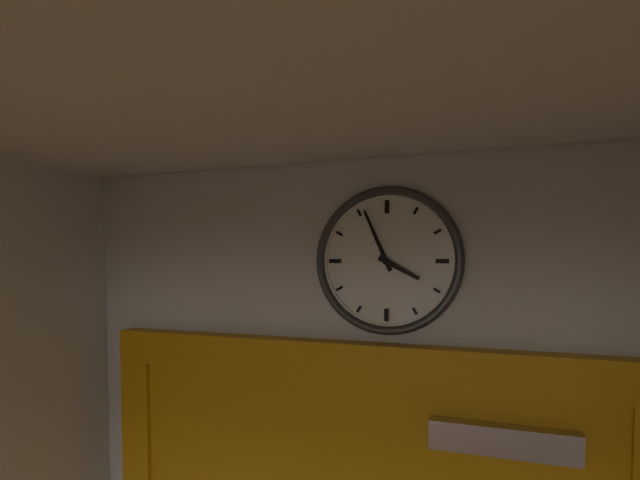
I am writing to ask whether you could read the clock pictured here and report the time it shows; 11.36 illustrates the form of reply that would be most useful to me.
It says 3.56
